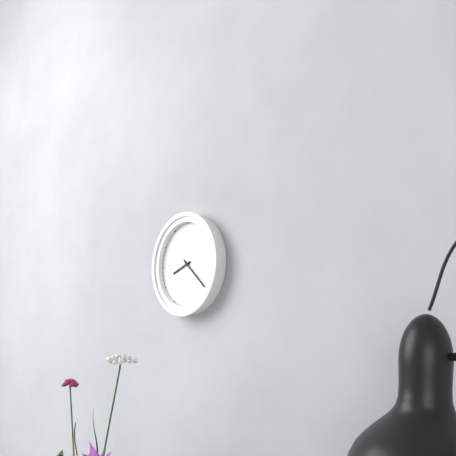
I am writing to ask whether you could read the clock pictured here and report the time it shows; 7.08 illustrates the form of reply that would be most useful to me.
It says 8.22
